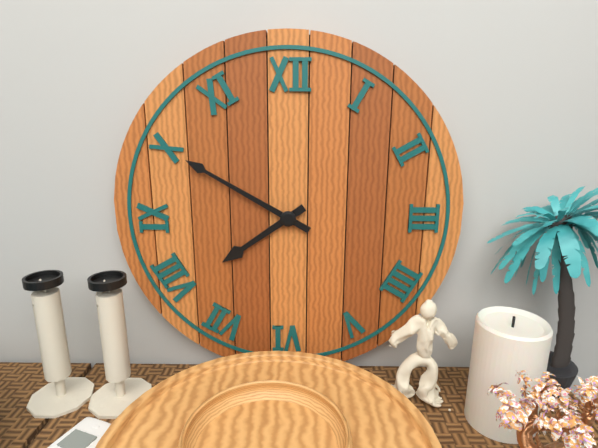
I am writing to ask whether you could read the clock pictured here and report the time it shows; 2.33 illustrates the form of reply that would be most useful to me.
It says 7.50
